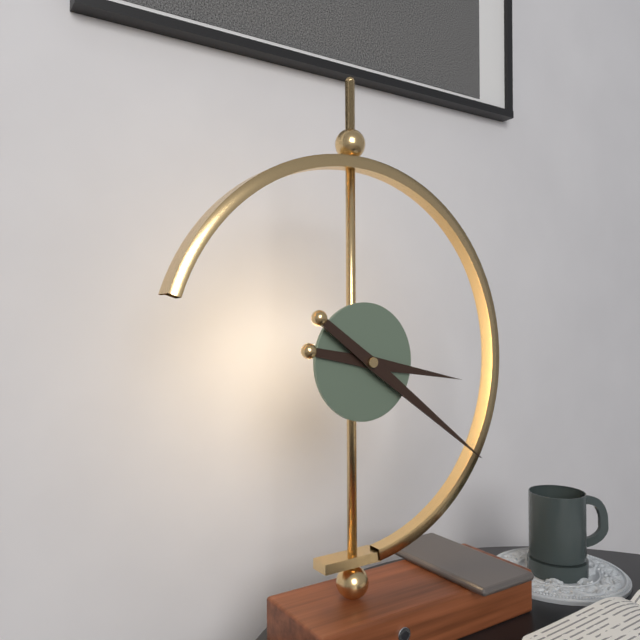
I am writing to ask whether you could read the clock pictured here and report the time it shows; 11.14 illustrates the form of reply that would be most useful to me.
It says 3.21
